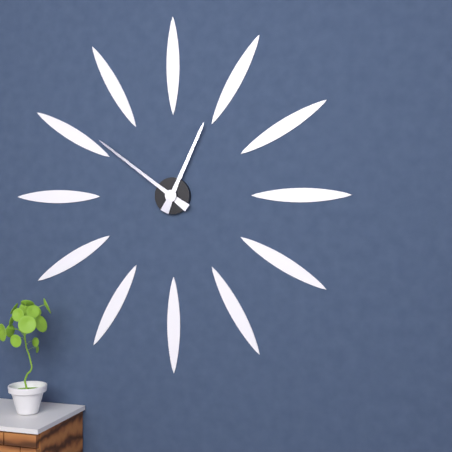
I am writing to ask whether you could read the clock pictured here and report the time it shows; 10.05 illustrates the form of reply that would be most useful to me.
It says 12.51
